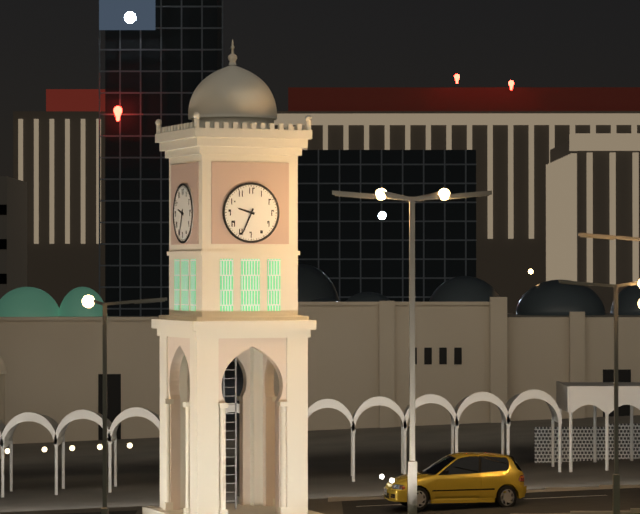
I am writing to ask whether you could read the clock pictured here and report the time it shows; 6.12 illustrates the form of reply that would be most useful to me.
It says 9.34
